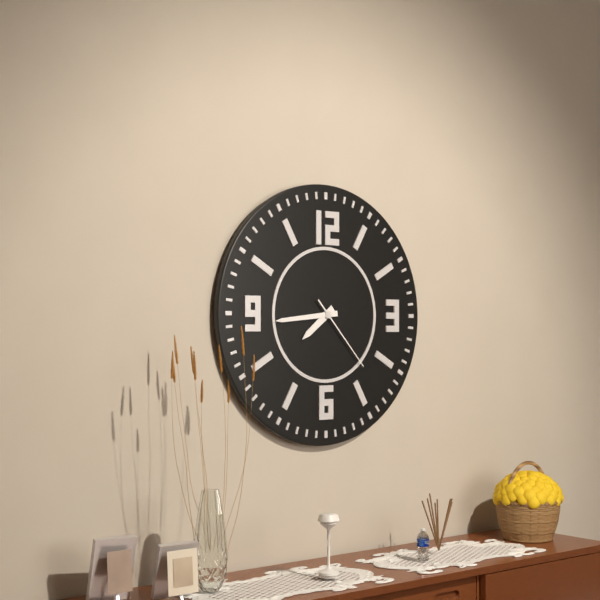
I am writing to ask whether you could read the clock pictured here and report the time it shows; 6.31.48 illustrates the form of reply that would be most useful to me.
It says 7.44.23
